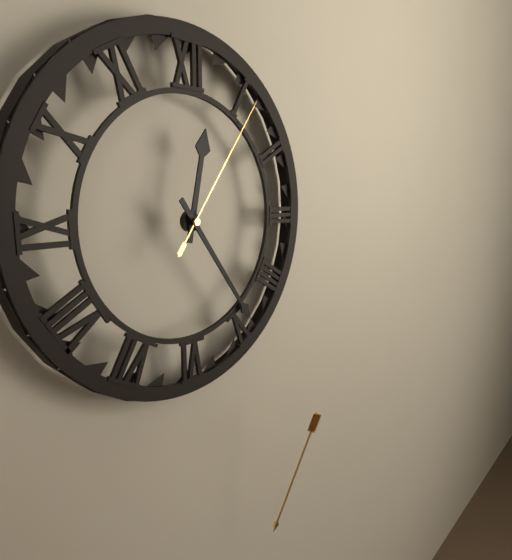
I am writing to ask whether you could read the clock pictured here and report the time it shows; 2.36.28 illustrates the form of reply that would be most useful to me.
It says 12.24.06
